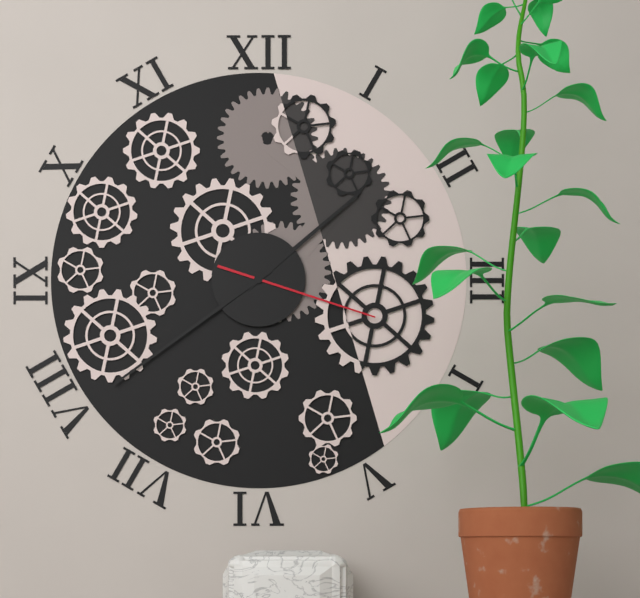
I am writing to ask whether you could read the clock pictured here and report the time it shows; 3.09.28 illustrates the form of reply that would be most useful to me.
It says 1.39.18
